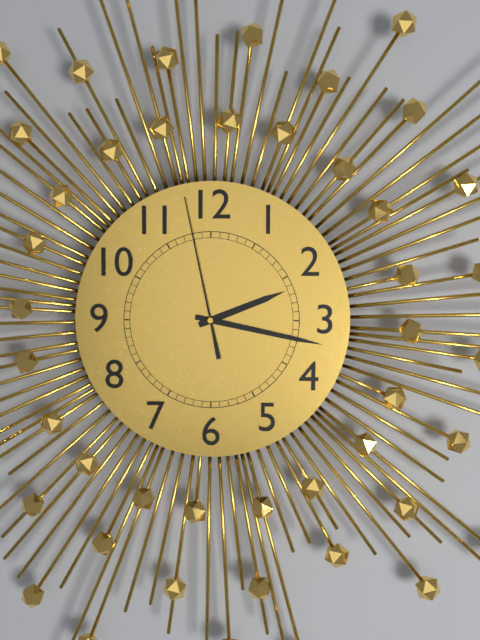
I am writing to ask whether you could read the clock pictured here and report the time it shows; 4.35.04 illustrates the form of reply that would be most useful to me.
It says 2.17.58
